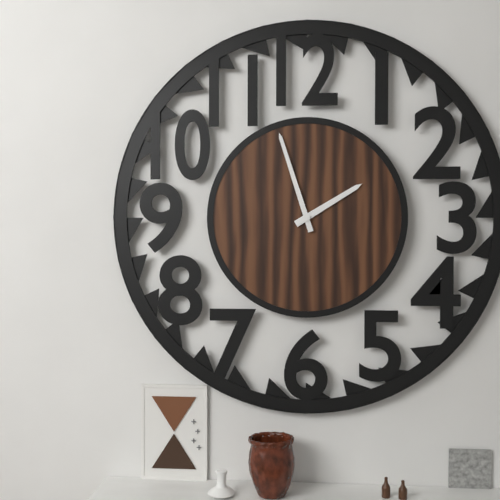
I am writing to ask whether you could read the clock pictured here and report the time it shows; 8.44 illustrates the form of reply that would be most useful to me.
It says 1.57
